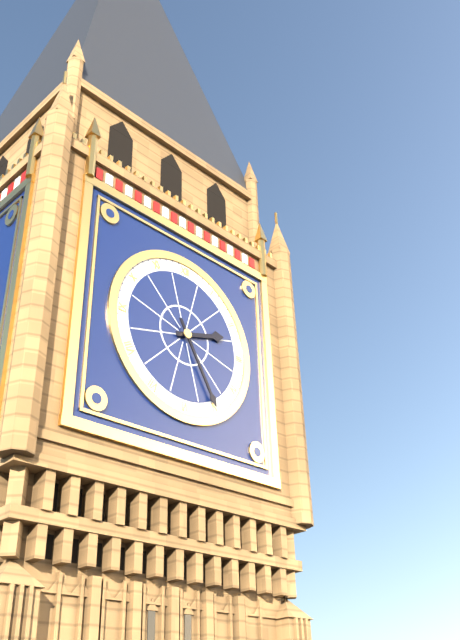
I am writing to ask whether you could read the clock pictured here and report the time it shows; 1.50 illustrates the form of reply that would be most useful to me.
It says 2.25
